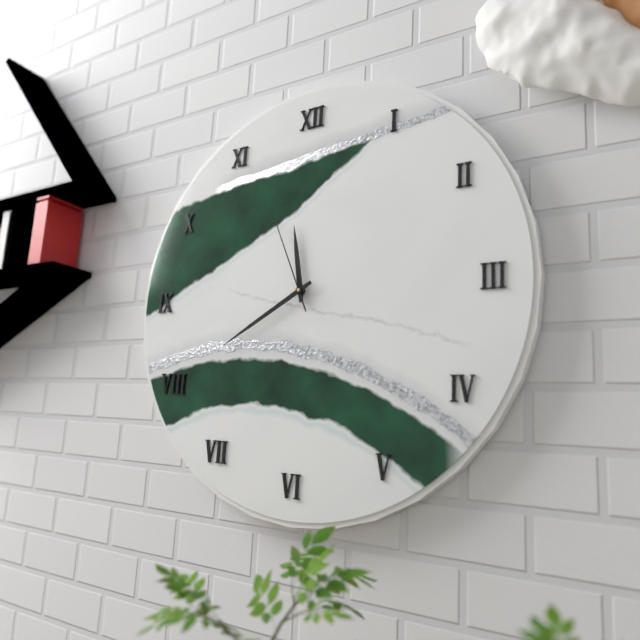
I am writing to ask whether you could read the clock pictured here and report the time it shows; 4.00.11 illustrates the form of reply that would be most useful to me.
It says 11.40.56
